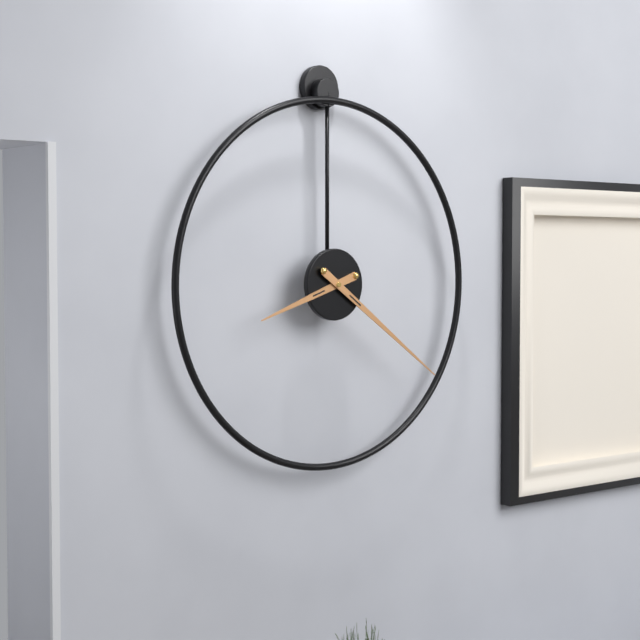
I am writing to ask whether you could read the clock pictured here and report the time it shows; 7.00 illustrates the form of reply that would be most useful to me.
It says 8.21
